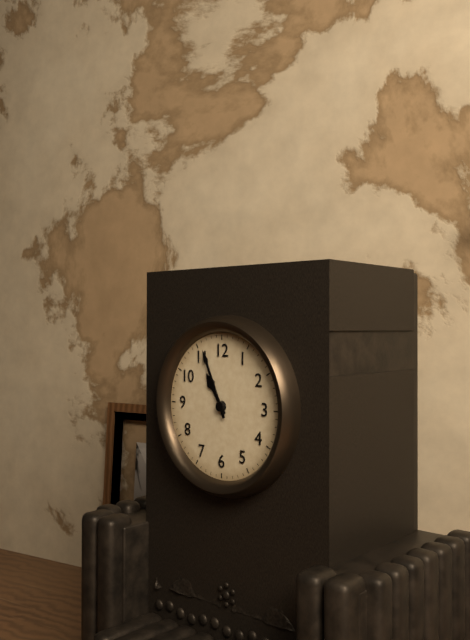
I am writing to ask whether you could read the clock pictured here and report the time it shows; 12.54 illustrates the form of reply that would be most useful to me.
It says 10.56
